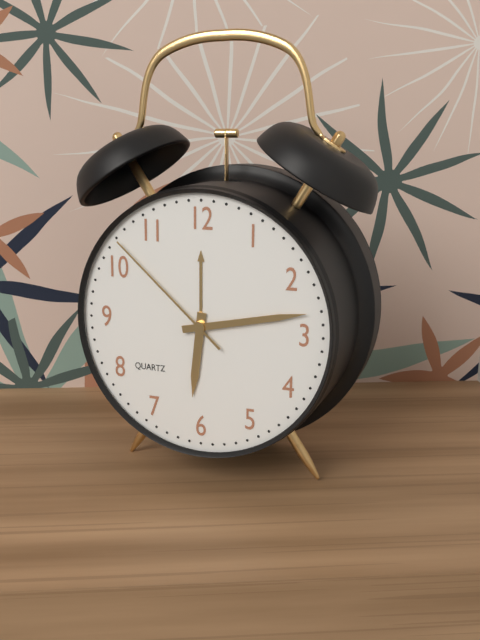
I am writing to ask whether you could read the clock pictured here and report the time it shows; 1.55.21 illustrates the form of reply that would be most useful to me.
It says 6.13.52
